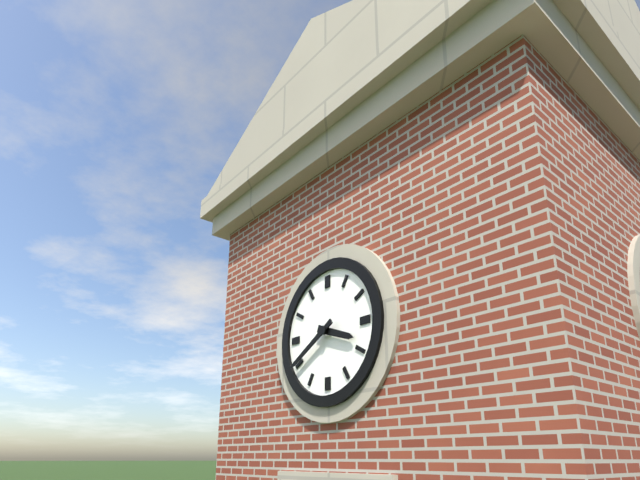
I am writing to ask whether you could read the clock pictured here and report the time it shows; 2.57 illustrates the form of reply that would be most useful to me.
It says 3.40
